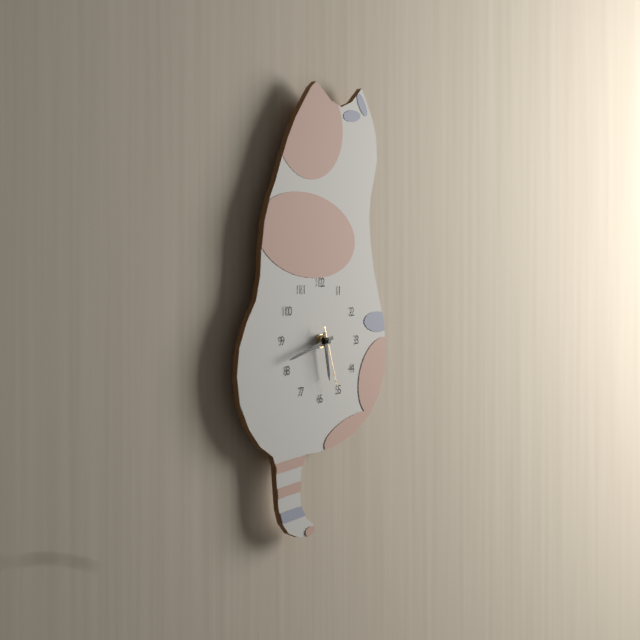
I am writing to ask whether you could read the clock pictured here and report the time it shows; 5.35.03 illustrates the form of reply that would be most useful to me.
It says 5.42.27
